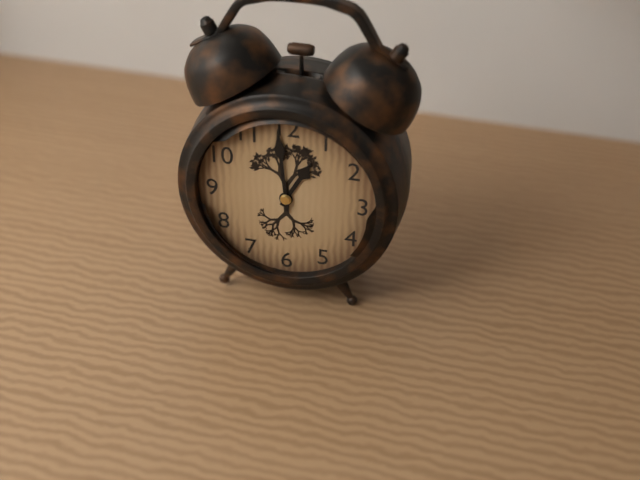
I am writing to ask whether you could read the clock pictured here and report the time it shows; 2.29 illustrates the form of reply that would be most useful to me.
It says 12.59
